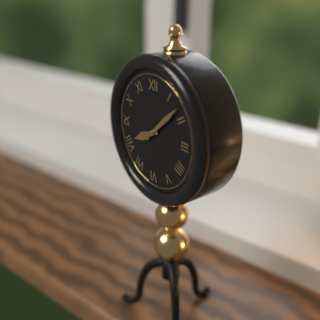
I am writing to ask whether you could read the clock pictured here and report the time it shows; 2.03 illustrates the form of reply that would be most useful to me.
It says 8.08
